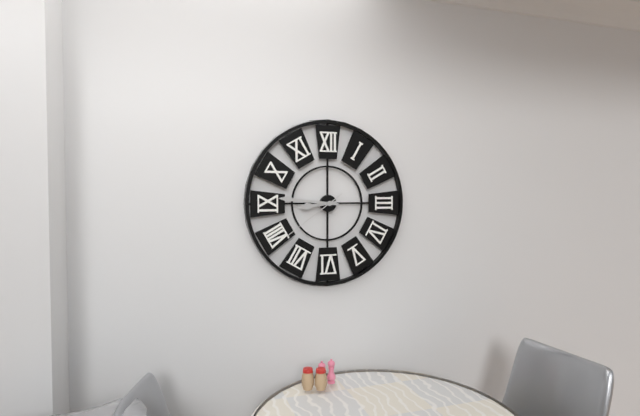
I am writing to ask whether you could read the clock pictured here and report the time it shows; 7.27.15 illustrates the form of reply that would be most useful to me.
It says 8.46.39
